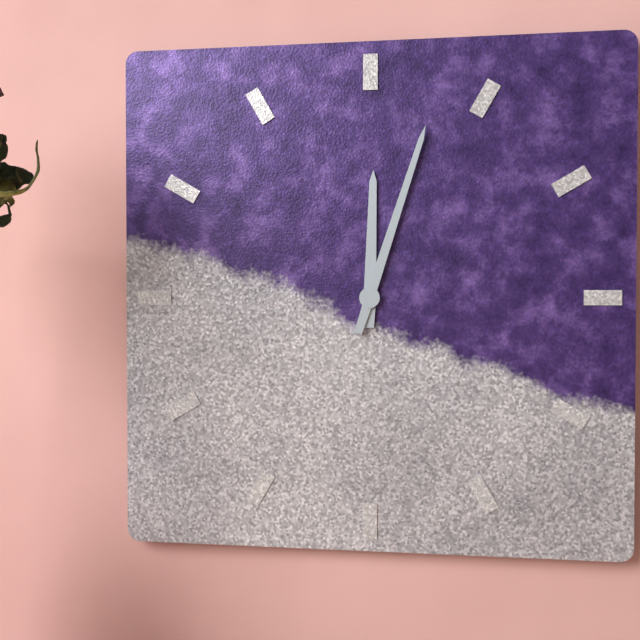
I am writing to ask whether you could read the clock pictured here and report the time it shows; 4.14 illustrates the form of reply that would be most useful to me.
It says 12.03
